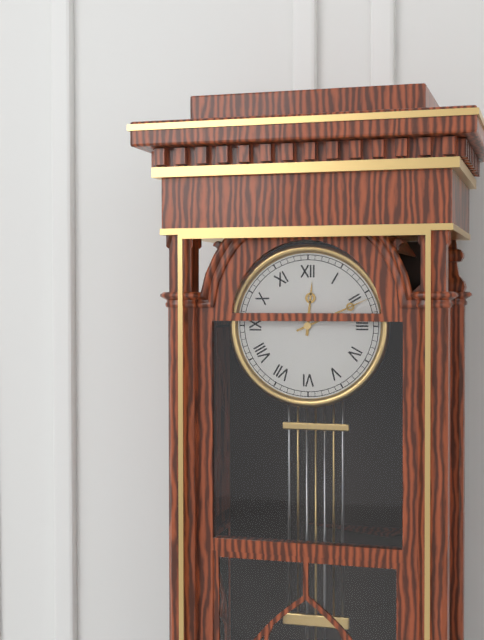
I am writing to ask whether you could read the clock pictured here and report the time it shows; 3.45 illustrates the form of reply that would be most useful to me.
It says 12.11
